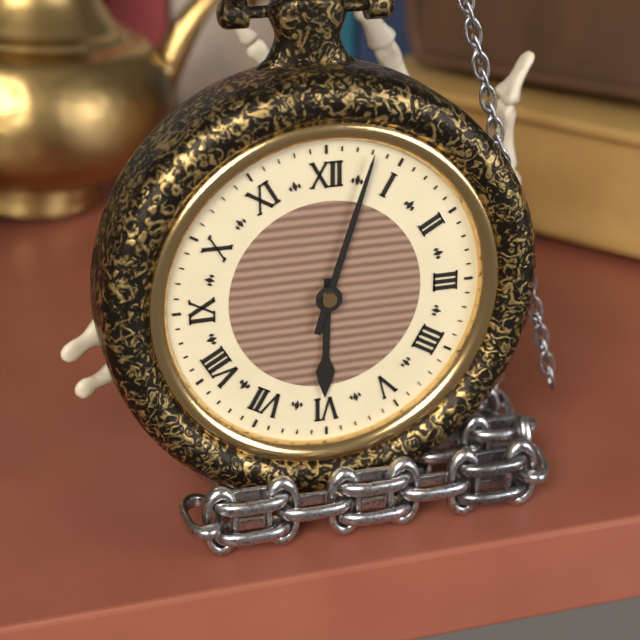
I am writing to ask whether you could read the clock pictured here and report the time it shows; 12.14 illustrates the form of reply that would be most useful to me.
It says 6.03
